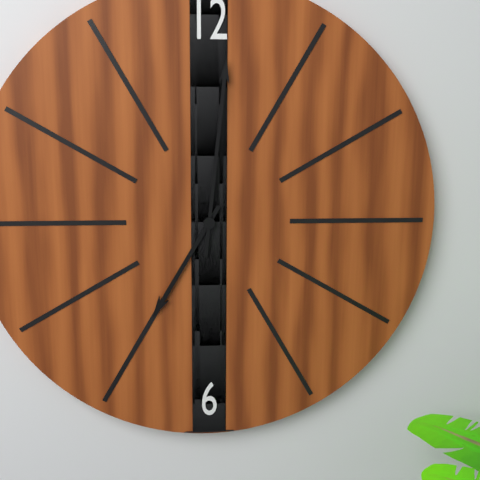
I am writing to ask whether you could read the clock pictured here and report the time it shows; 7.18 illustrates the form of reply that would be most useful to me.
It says 7.01
